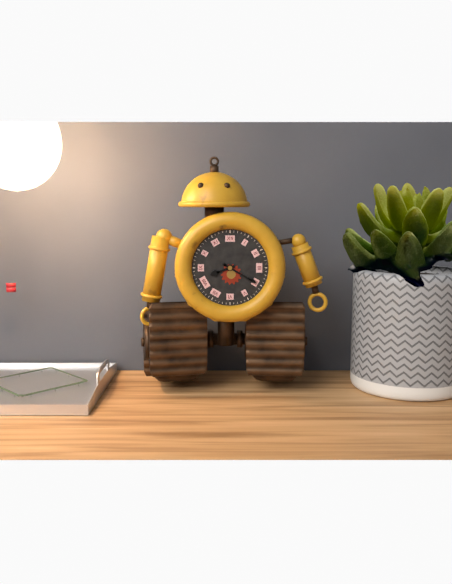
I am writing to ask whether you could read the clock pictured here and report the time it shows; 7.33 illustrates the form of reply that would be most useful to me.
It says 8.20
